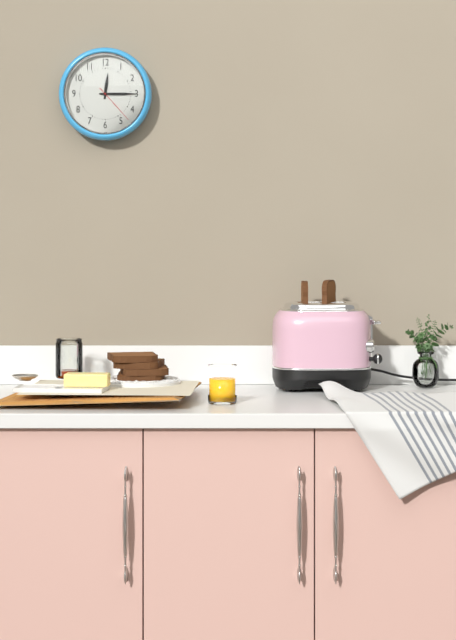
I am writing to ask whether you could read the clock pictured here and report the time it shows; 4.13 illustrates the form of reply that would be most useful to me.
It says 12.15
